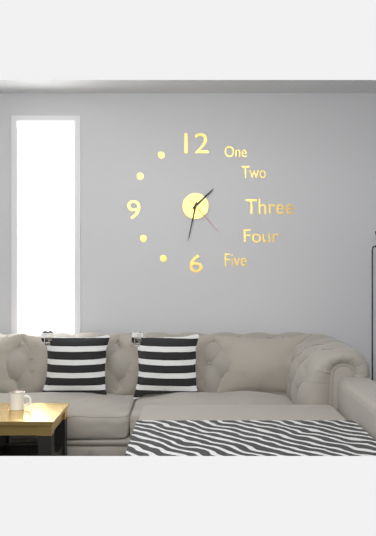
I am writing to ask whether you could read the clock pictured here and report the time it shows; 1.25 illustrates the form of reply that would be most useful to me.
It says 1.32
